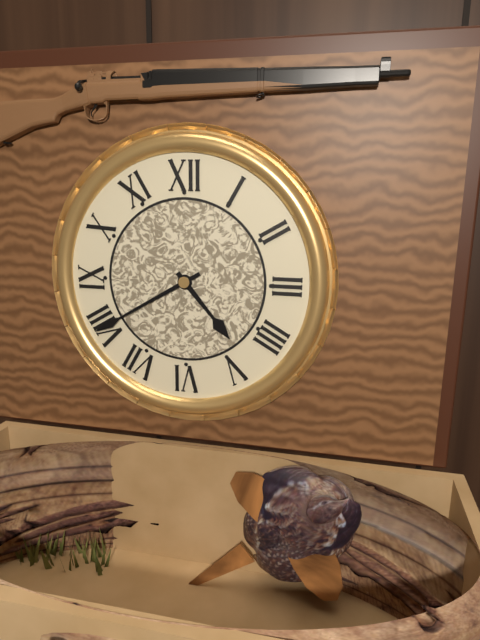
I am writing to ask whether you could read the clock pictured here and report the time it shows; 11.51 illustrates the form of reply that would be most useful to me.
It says 4.40
